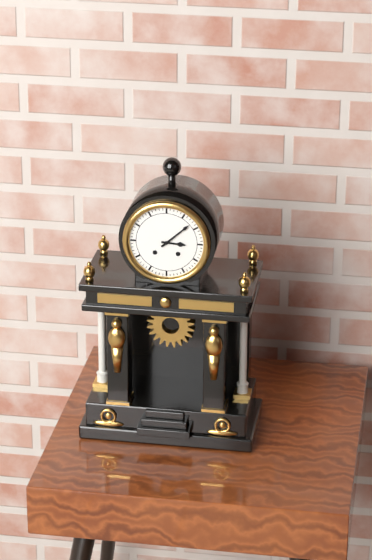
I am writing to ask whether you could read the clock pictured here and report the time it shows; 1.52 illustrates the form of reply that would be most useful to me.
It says 3.08
